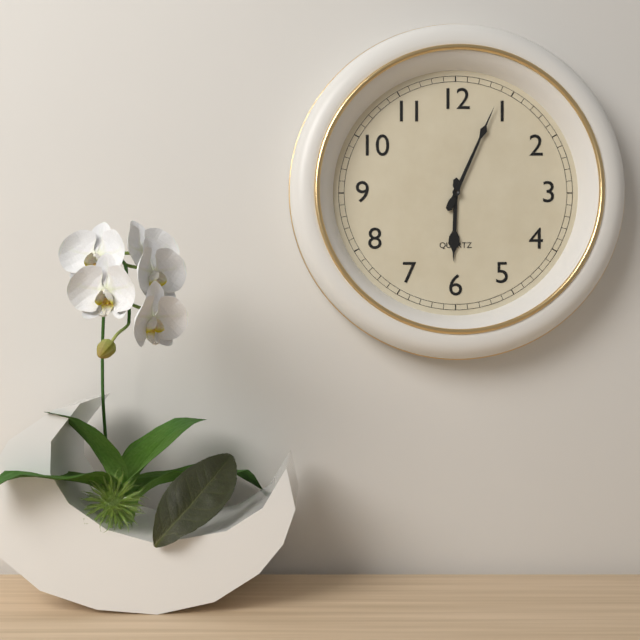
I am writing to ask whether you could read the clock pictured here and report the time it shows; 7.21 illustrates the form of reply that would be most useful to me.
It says 6.04
